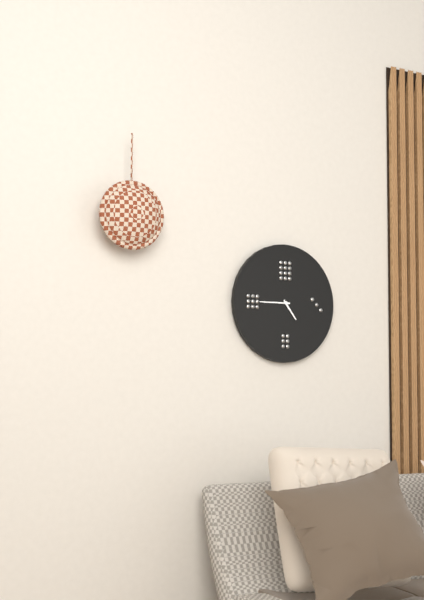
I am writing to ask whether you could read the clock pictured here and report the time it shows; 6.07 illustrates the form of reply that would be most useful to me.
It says 4.45
